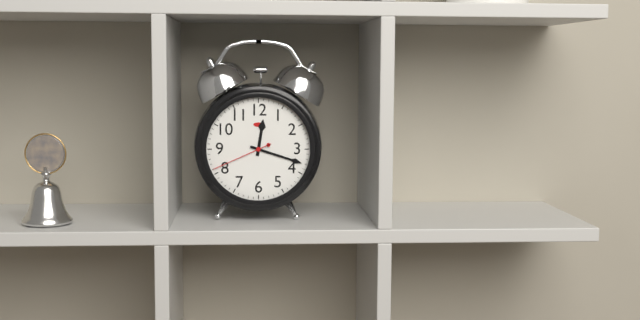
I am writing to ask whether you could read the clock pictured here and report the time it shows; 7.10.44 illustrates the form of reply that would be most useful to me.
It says 12.18.41
